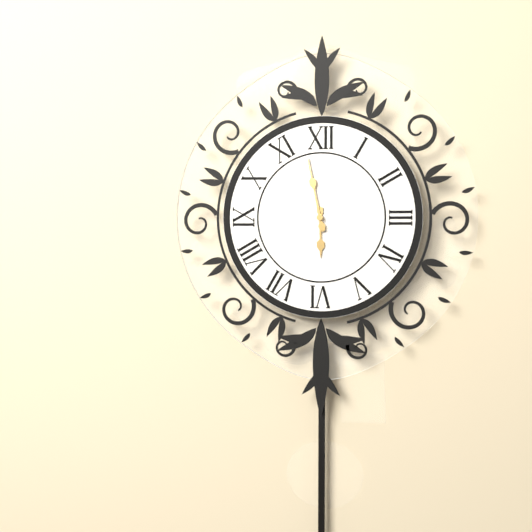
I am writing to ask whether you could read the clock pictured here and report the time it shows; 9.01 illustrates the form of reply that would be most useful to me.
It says 5.58
